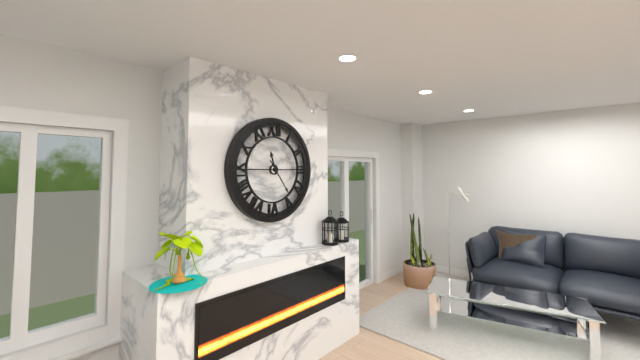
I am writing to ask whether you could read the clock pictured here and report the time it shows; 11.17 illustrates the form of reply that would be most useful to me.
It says 11.24
